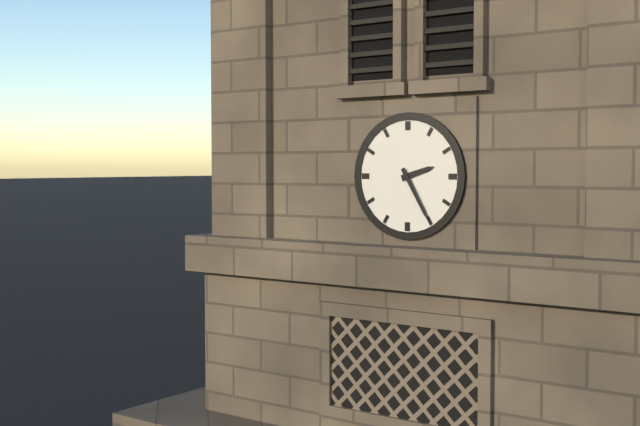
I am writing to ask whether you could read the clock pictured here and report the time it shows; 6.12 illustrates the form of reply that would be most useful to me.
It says 2.25
